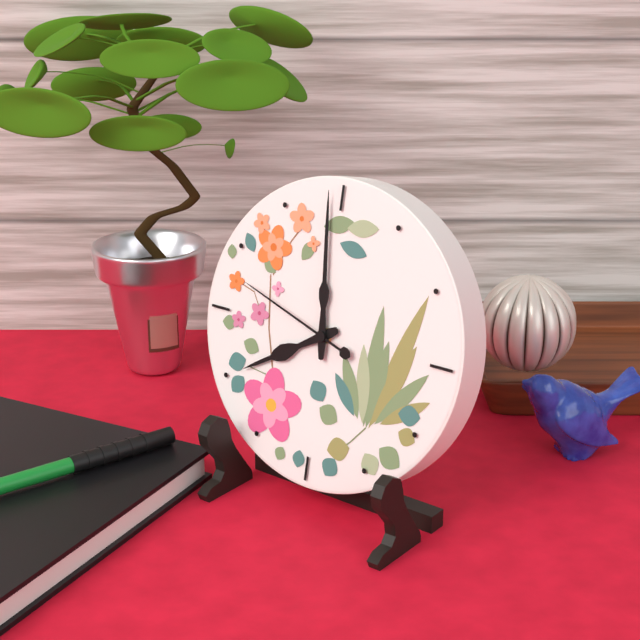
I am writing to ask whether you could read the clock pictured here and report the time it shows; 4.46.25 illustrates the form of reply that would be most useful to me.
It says 7.59.48
